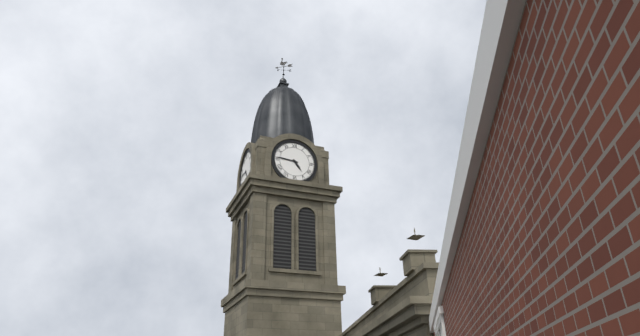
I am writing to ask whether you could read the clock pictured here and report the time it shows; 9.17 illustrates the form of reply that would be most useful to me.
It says 4.46
